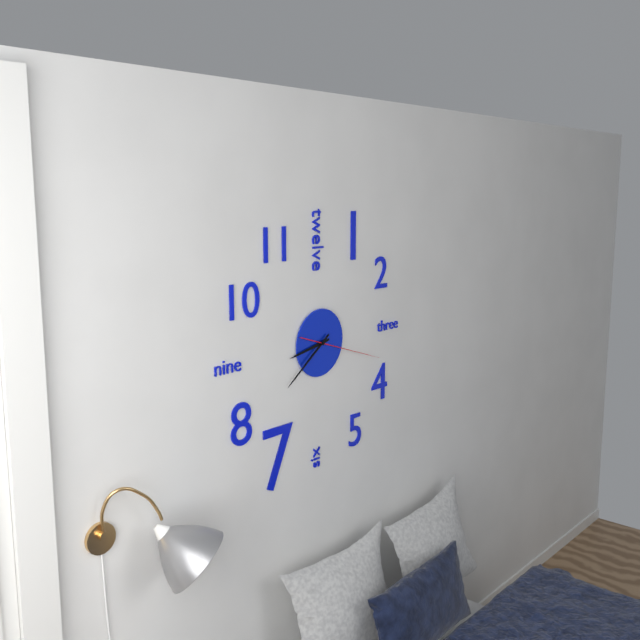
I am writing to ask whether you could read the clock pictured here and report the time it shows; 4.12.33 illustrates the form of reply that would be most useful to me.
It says 8.39.18
